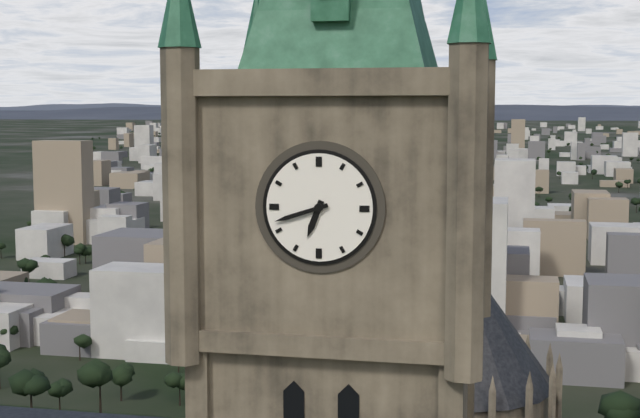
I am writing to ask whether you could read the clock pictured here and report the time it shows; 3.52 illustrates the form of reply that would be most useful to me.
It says 6.42
